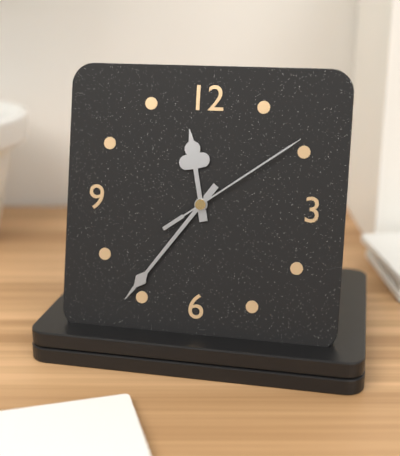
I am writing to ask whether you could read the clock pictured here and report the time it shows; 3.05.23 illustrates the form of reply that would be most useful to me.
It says 11.36.09
